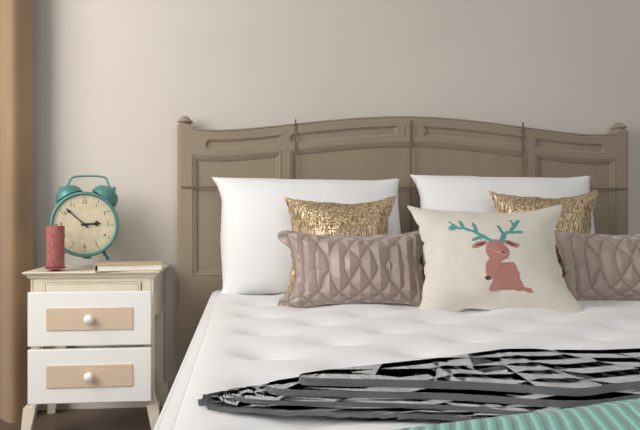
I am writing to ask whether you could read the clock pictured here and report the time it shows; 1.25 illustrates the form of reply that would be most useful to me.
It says 2.52
